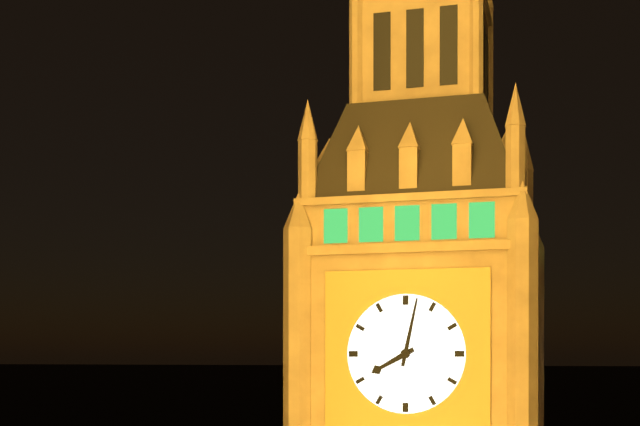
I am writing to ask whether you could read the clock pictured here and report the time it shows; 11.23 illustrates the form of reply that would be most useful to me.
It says 8.02
